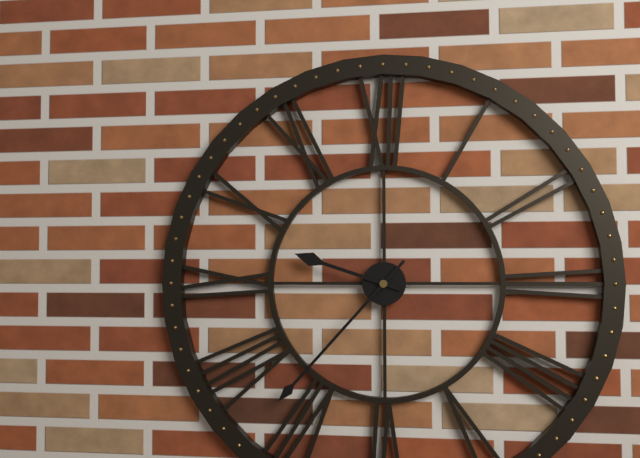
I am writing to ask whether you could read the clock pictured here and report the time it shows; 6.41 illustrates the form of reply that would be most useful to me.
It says 9.37
